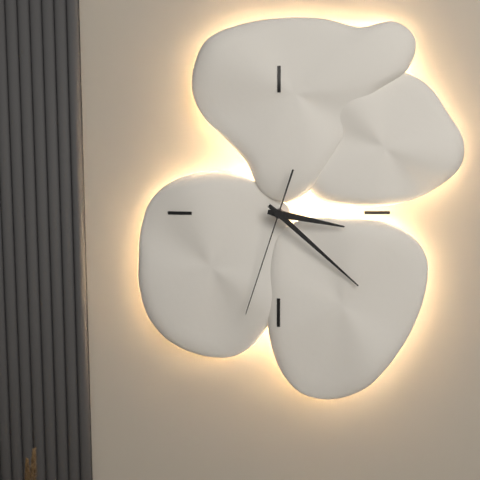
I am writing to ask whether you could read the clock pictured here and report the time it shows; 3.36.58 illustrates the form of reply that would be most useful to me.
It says 3.22.33
